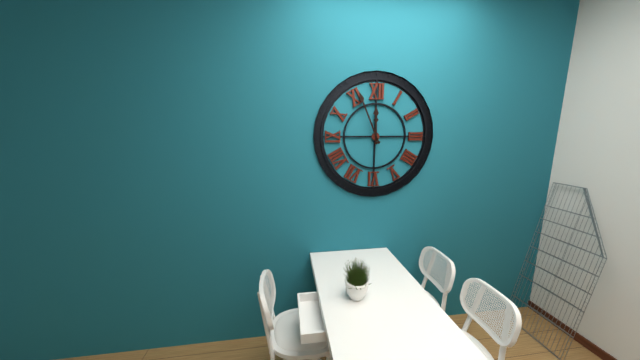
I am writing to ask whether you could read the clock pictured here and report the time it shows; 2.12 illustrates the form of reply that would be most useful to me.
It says 11.56
